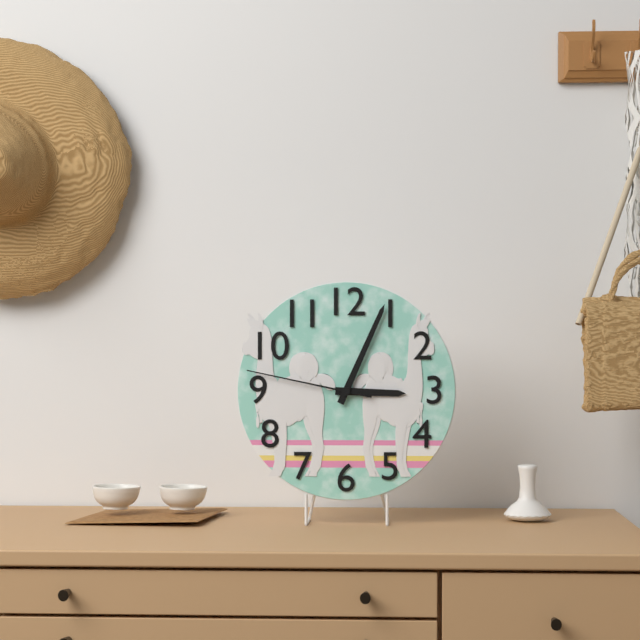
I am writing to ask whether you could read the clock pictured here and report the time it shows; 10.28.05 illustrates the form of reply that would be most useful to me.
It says 3.04.47
